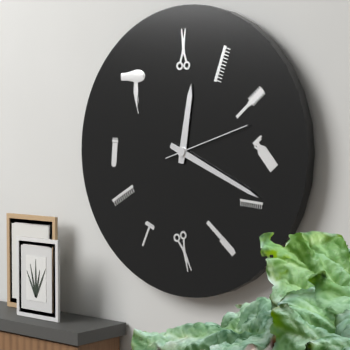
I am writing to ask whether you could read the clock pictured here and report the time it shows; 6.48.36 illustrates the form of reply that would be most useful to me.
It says 12.19.12
